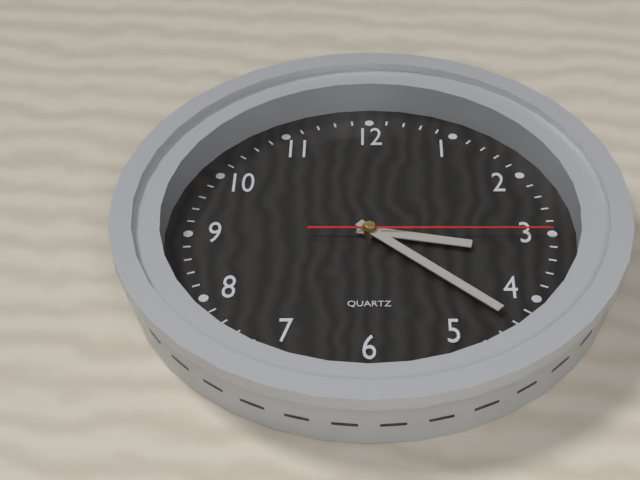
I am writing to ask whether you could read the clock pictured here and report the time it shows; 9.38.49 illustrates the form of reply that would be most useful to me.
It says 3.22.15
